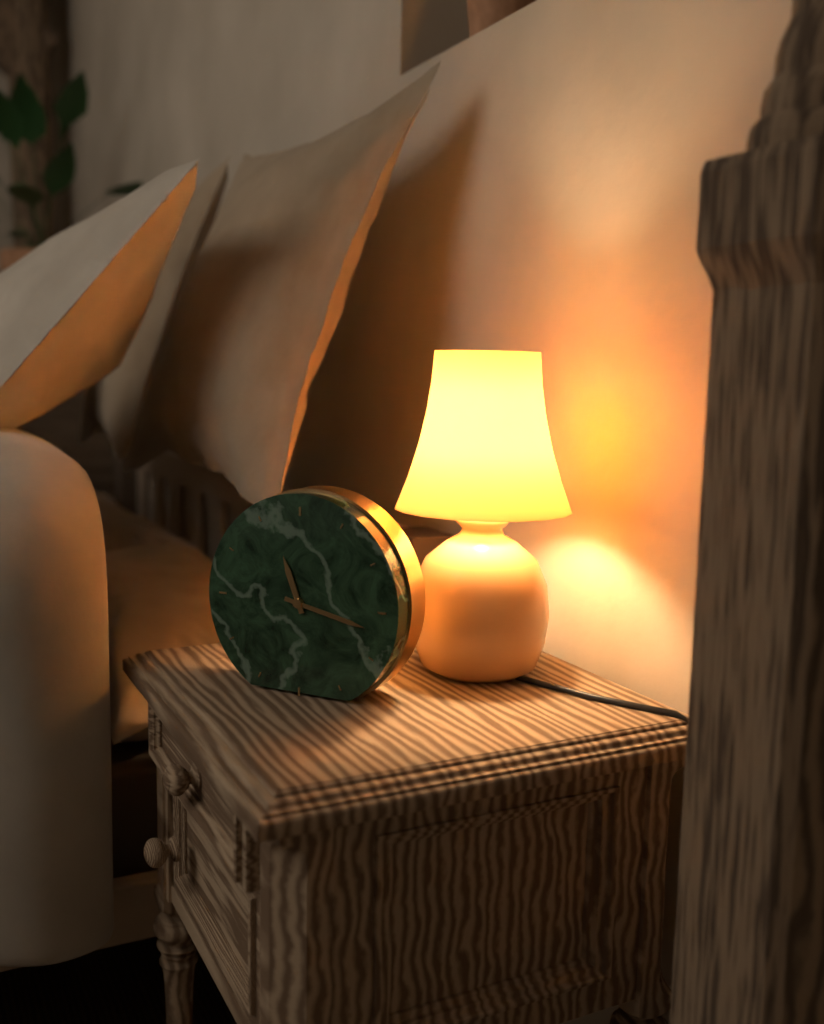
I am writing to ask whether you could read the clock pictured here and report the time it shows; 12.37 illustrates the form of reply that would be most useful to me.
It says 11.17
